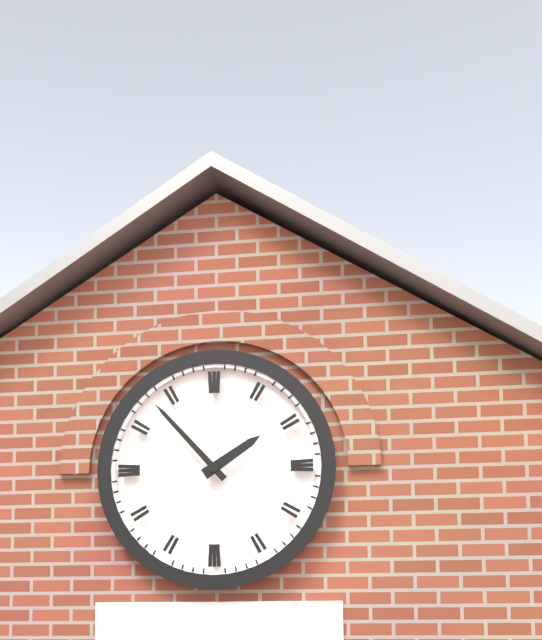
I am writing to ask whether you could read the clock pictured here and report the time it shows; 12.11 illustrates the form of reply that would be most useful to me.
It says 1.53
